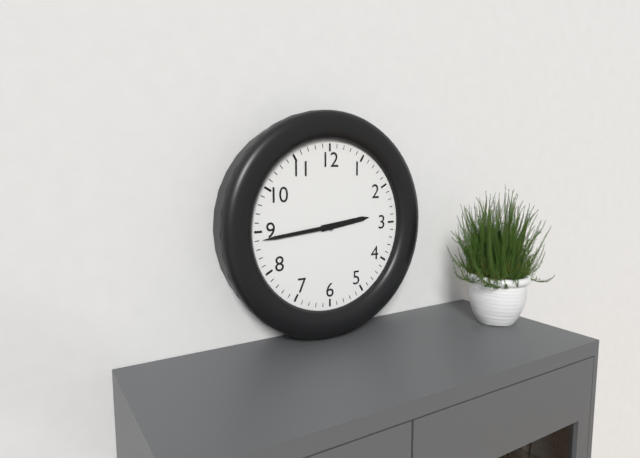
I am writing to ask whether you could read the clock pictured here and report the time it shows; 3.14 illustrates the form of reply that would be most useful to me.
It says 2.44
